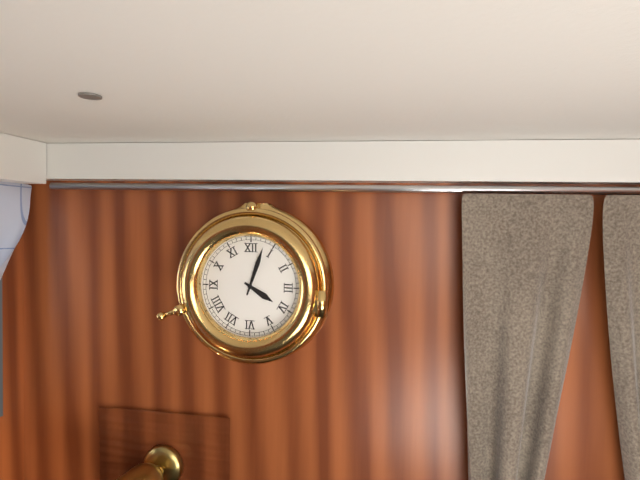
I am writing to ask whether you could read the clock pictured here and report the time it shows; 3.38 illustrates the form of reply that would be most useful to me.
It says 4.03
